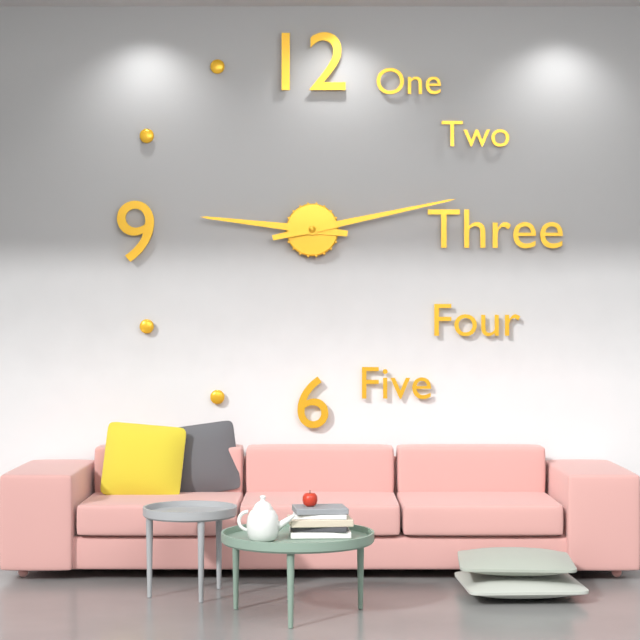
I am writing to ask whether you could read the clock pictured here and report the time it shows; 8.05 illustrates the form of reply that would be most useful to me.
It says 9.13
